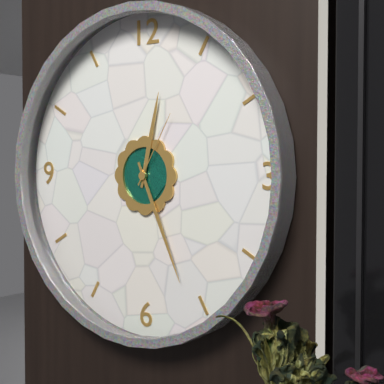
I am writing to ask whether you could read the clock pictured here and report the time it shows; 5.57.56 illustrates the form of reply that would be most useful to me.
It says 12.26.05
